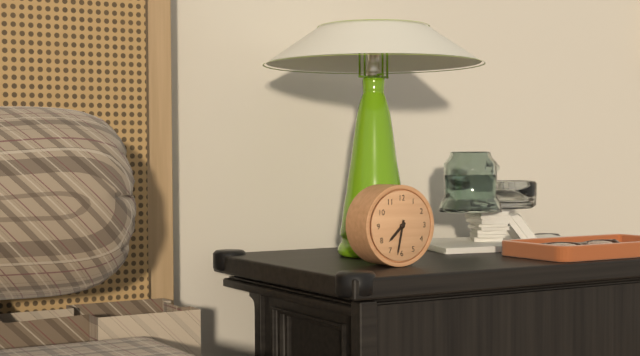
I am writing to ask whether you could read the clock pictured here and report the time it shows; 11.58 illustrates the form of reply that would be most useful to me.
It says 7.32
